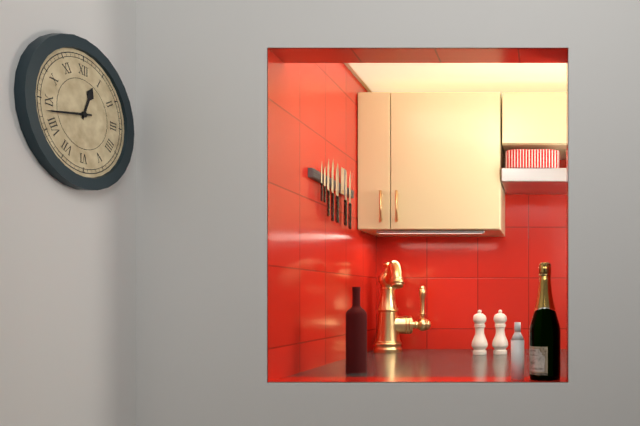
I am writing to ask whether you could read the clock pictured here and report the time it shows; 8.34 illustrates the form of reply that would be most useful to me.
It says 12.43
